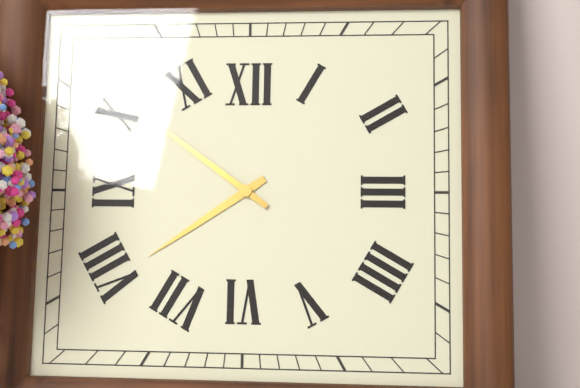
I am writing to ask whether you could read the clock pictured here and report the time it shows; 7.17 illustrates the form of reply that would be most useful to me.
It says 7.51
